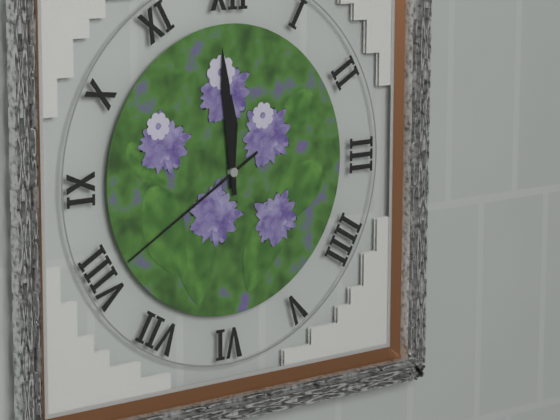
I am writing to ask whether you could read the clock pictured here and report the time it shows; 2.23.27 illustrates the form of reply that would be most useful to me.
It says 11.59.40
